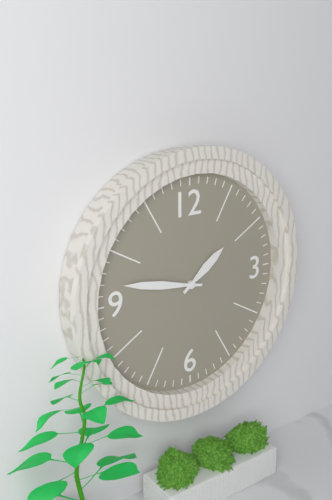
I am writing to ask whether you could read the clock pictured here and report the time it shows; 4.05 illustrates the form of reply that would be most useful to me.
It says 1.47
